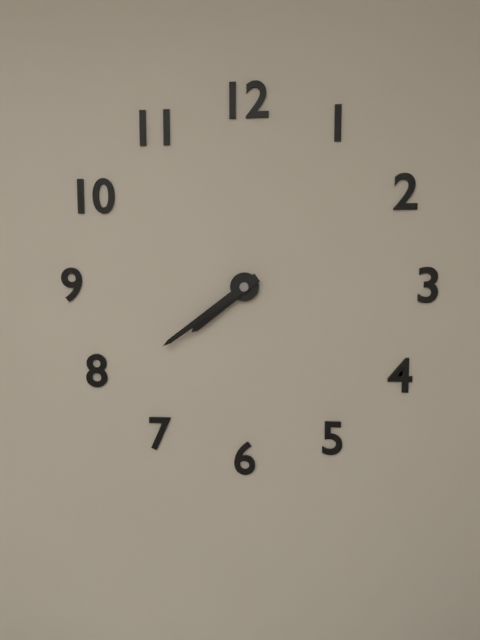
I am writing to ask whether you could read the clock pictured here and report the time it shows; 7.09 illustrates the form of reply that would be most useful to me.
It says 7.39
